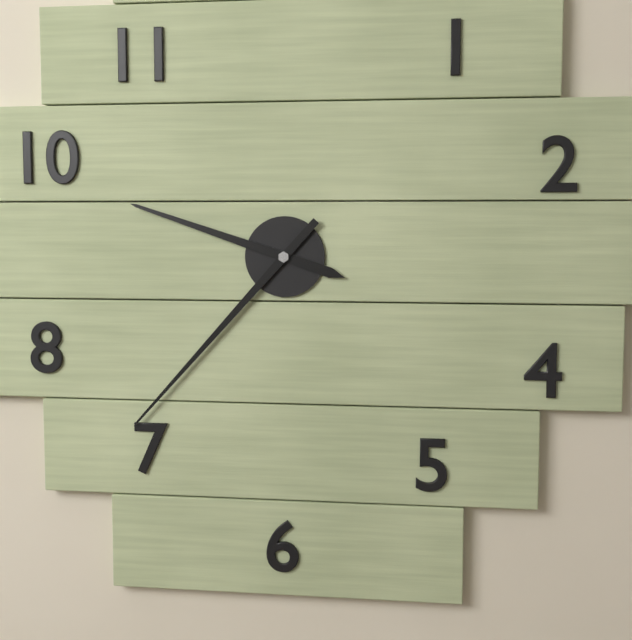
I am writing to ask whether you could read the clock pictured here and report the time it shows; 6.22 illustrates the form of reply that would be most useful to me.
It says 9.37
